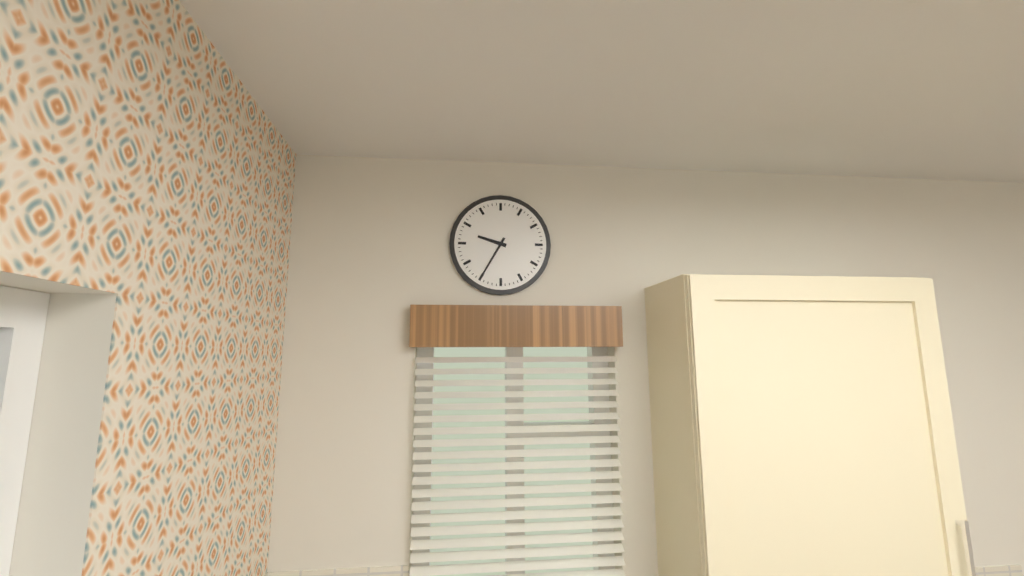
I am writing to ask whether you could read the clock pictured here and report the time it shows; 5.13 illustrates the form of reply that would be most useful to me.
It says 9.35
